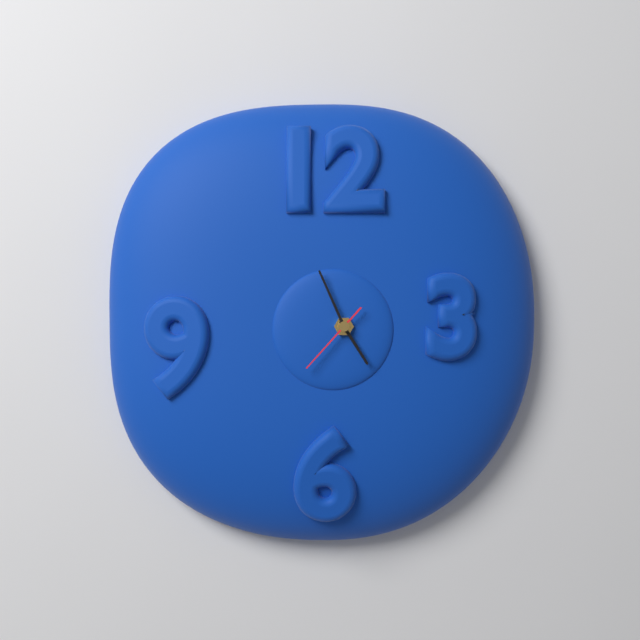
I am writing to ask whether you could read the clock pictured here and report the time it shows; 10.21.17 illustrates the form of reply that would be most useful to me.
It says 4.56.37
